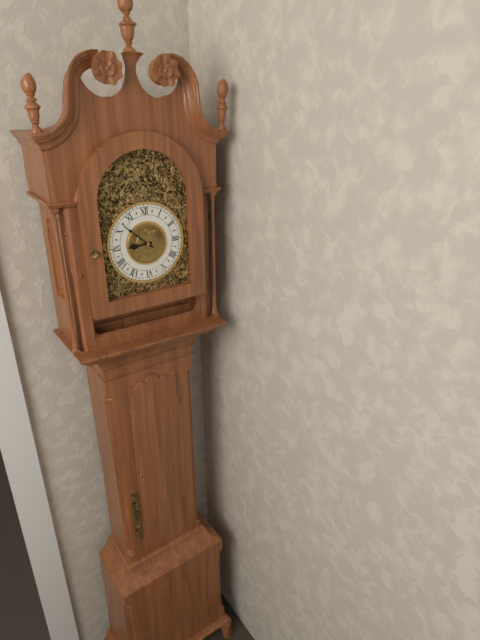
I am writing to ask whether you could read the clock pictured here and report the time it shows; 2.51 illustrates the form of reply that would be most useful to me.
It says 8.52
